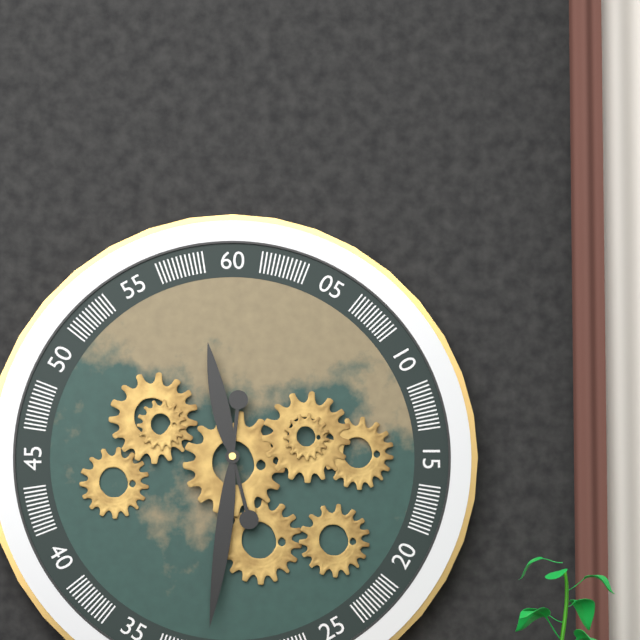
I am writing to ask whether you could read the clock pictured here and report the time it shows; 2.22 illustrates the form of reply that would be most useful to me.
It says 11.31
